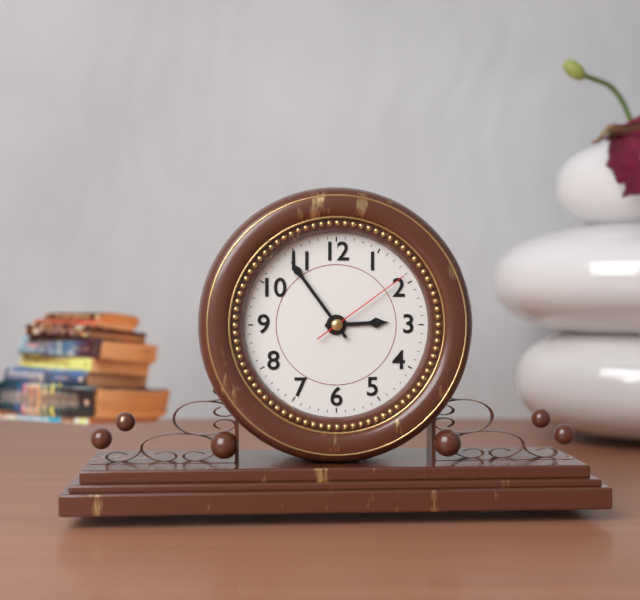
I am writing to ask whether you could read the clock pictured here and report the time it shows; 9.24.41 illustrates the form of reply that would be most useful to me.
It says 2.54.09
